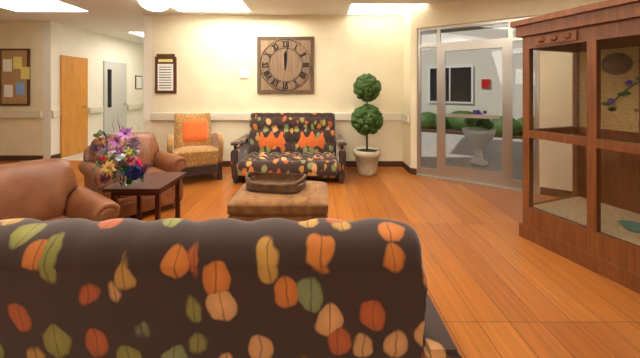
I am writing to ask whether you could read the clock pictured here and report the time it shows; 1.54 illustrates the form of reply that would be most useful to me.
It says 12.01
